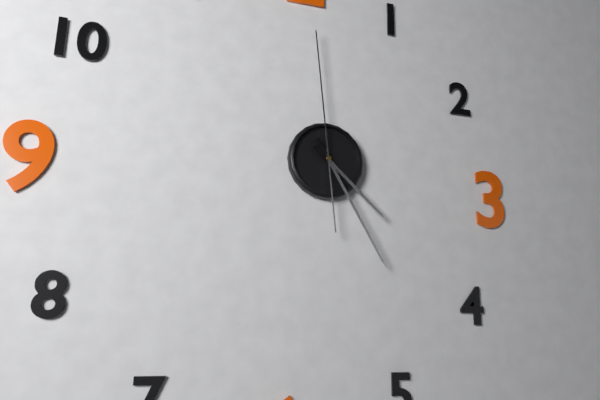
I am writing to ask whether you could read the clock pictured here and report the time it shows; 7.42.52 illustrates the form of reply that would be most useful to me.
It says 4.25.59
